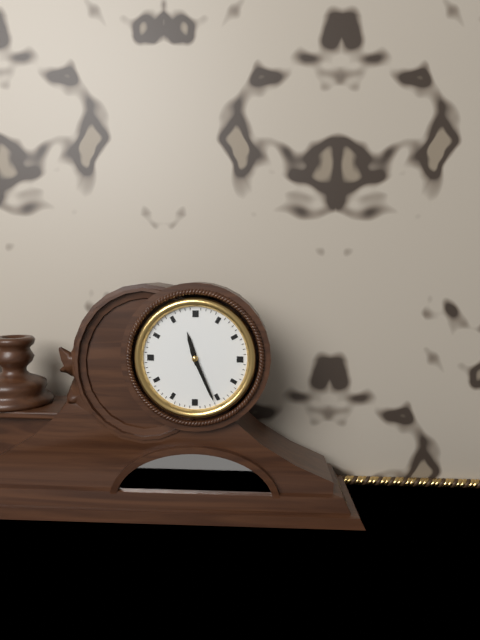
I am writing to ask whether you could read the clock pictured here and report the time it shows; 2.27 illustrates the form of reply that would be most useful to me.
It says 11.26
